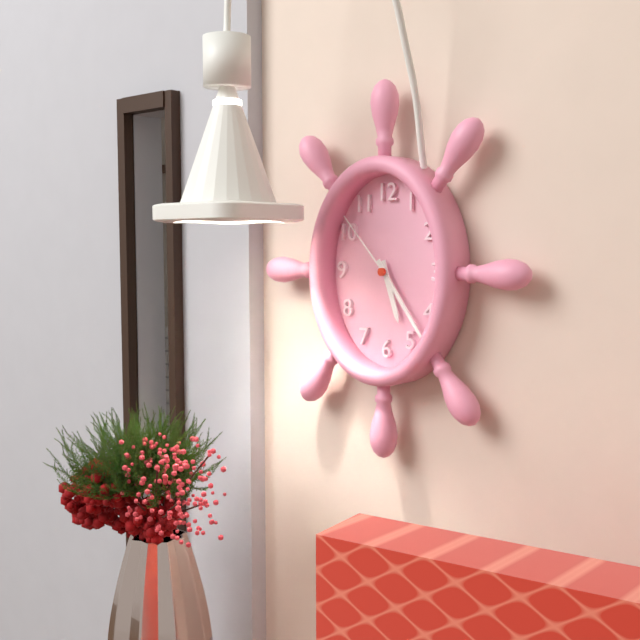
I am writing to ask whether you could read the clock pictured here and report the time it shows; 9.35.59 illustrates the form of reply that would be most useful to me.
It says 5.24.53
